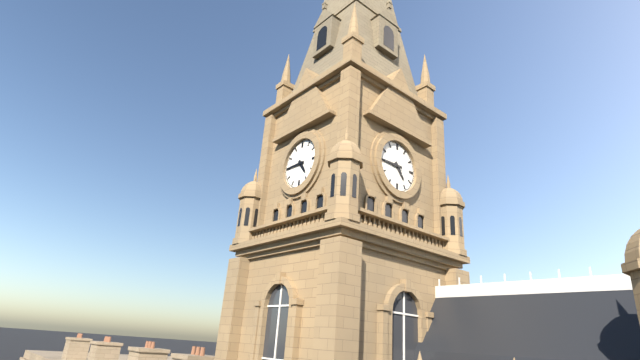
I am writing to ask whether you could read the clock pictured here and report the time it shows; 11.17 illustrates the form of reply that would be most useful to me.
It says 4.45
